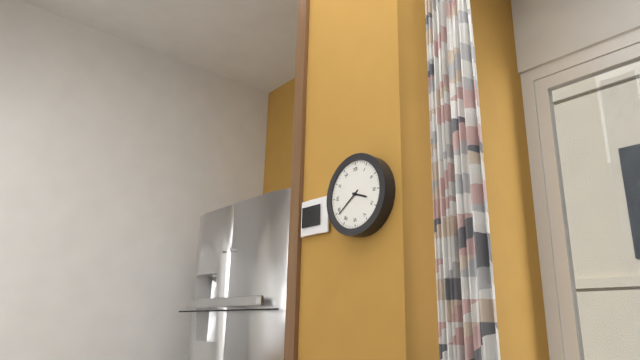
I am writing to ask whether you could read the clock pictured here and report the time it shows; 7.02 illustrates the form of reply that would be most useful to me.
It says 3.39
